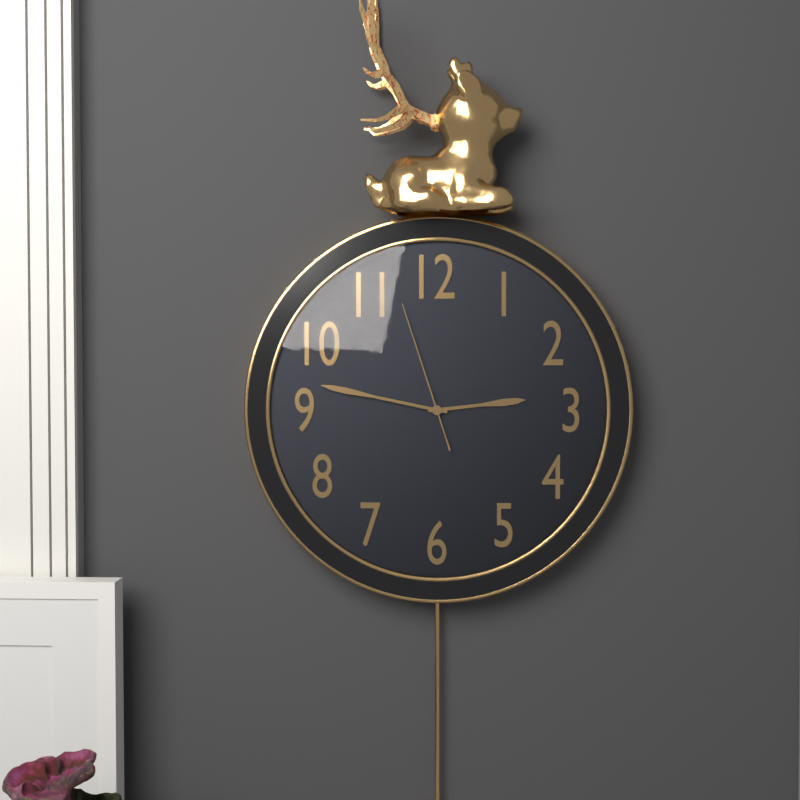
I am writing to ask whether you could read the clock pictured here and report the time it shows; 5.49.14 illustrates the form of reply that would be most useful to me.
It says 2.47.57
